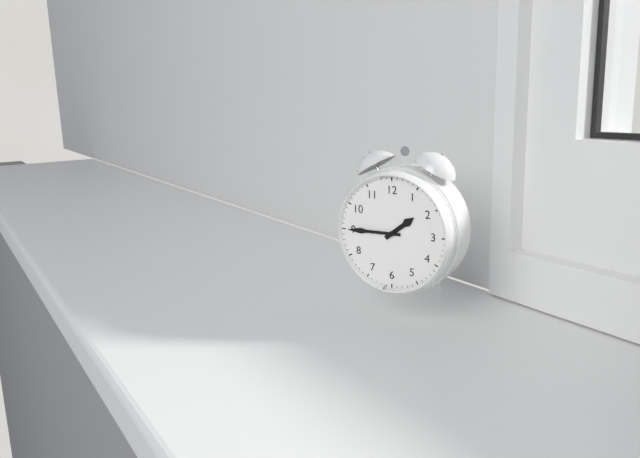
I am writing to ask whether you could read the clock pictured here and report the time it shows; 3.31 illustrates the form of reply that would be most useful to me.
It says 1.45
